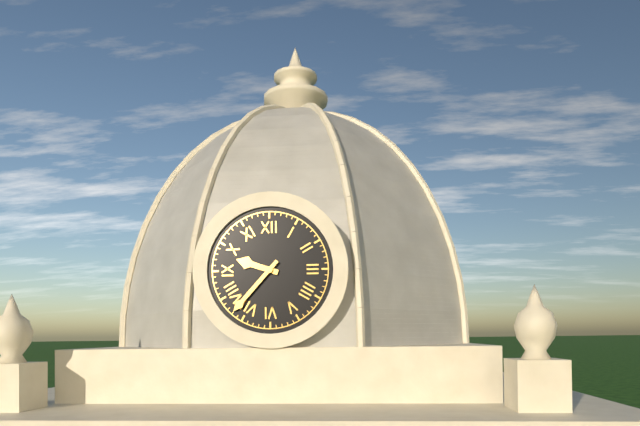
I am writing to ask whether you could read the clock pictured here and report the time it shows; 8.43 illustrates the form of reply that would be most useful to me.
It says 9.37
